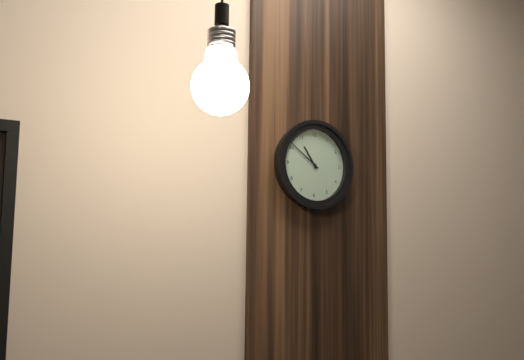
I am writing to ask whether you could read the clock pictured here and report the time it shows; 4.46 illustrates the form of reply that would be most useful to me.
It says 10.51
